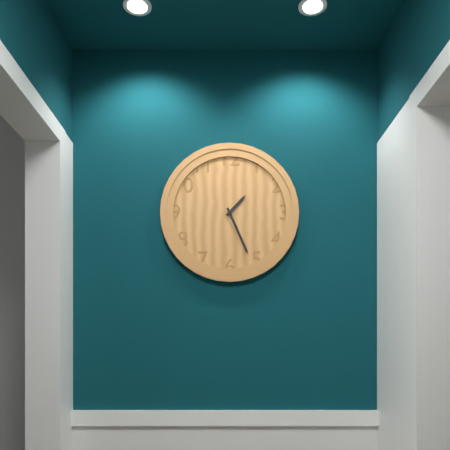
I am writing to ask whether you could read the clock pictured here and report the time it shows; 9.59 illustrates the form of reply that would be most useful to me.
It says 1.26
